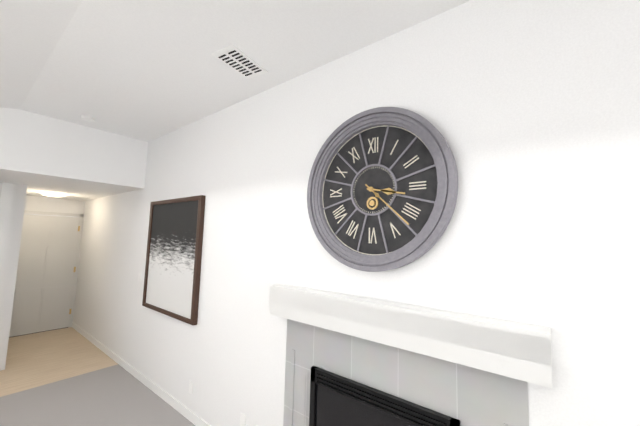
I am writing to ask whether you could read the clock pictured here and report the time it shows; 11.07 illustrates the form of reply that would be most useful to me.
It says 3.22
